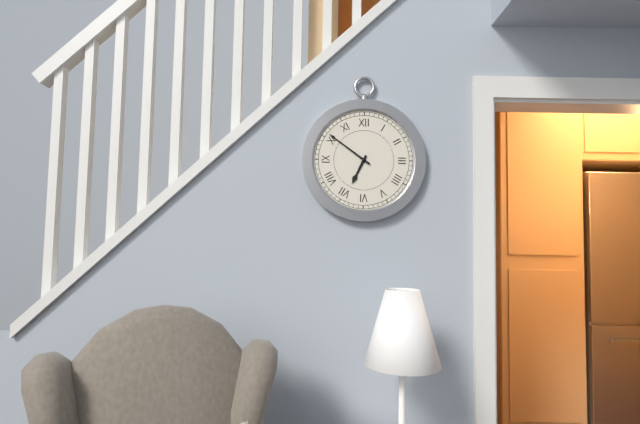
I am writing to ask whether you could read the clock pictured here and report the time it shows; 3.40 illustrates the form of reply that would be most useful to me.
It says 6.51
